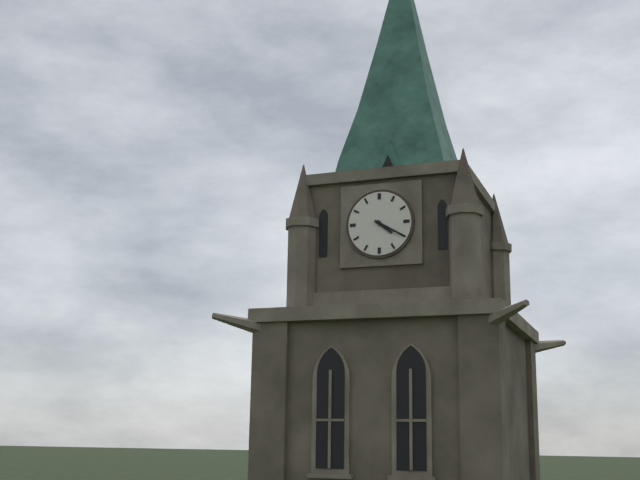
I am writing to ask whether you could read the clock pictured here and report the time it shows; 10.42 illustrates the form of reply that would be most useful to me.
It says 4.20
